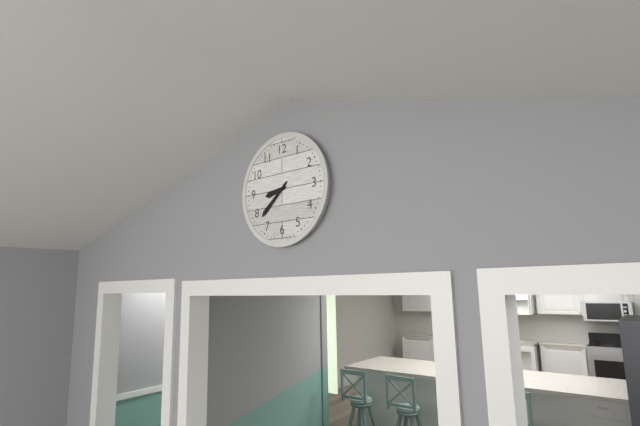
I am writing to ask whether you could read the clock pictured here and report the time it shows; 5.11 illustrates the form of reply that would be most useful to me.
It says 8.38
